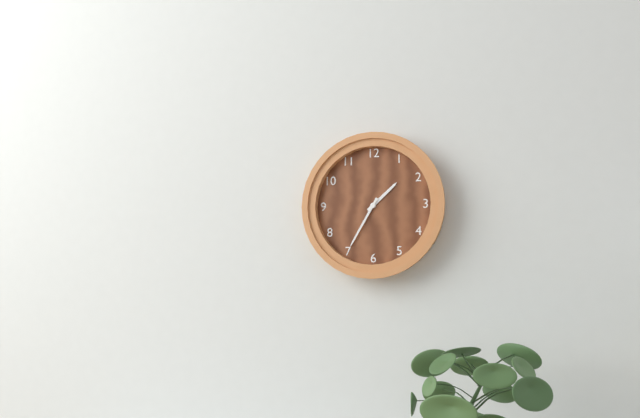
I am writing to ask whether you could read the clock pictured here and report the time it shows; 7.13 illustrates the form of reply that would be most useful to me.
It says 1.35
